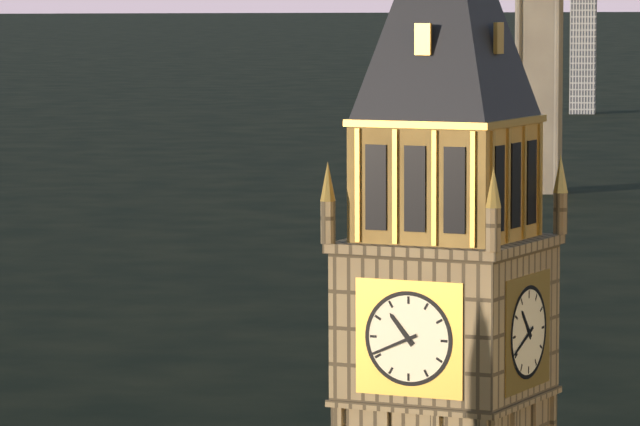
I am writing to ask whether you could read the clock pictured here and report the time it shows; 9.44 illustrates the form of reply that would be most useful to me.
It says 10.41
